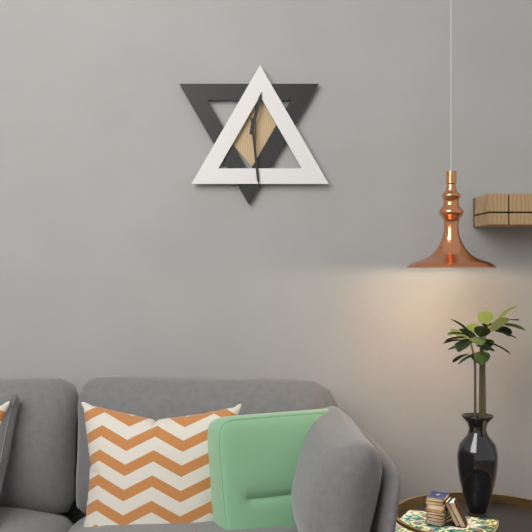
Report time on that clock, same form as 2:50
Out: 12:29
